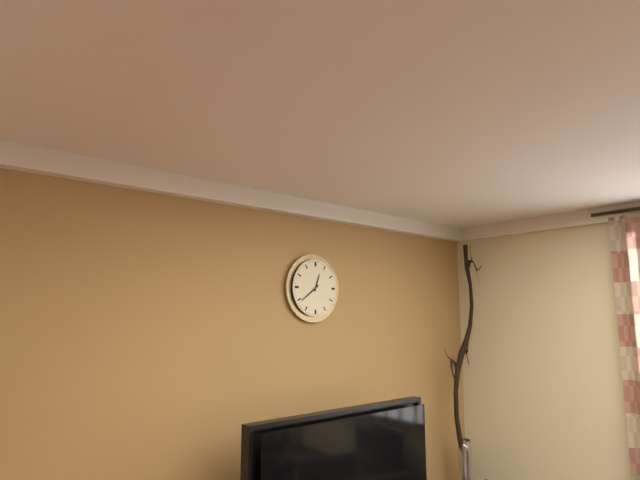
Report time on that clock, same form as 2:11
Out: 12:39
